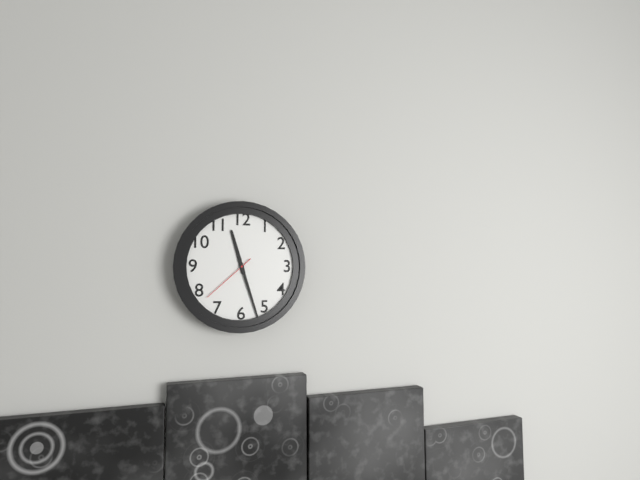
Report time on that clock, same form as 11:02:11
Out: 11:27:38
